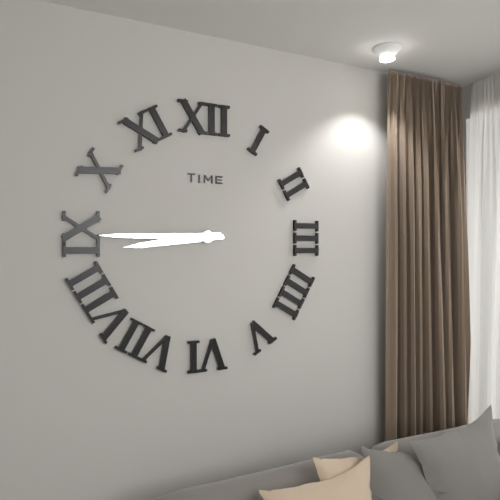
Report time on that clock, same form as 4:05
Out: 8:45
